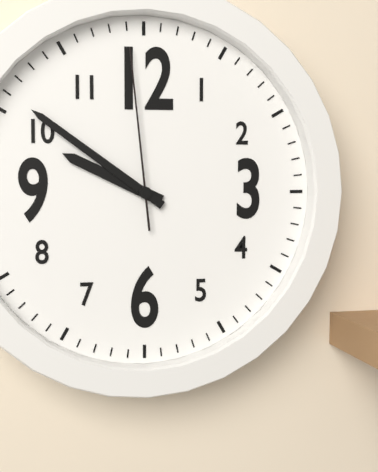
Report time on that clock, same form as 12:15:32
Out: 9:51:59
